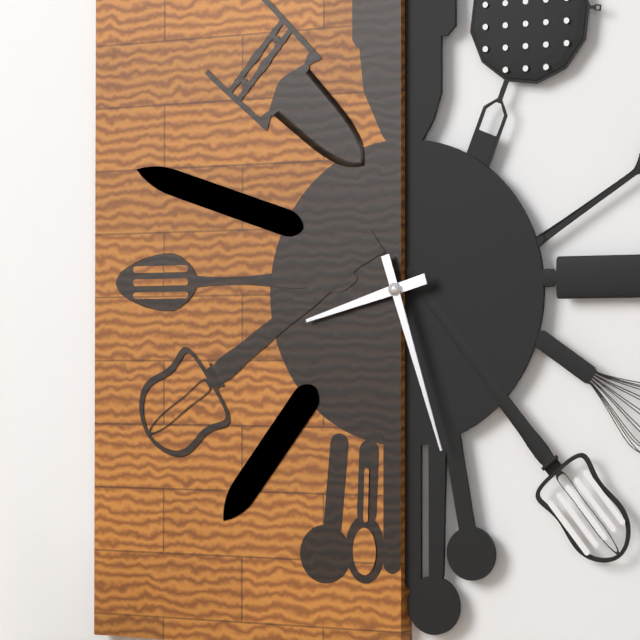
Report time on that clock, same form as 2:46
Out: 8:27
